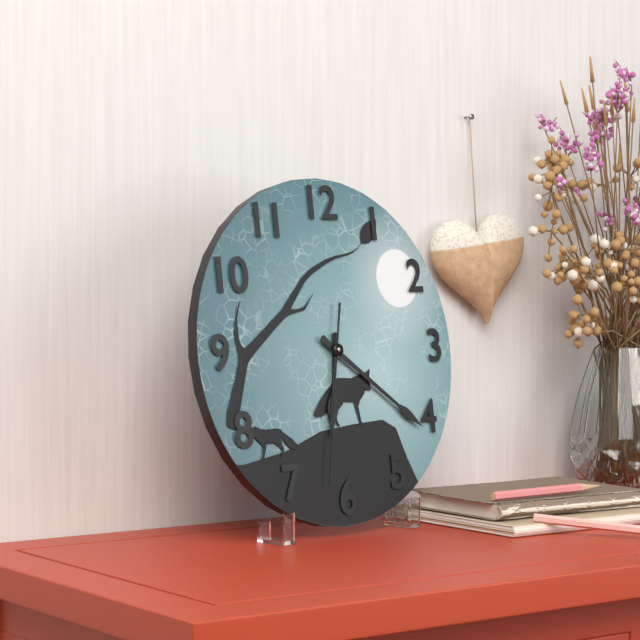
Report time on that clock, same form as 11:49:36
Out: 6:21:32
